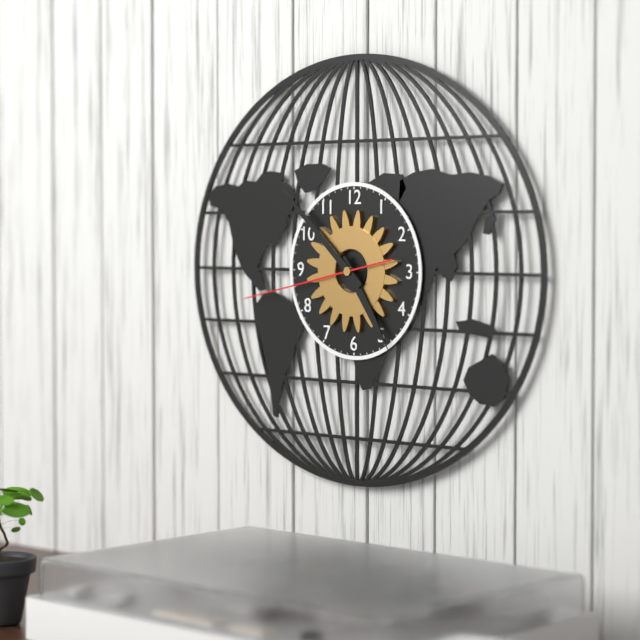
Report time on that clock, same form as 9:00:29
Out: 4:52:43
